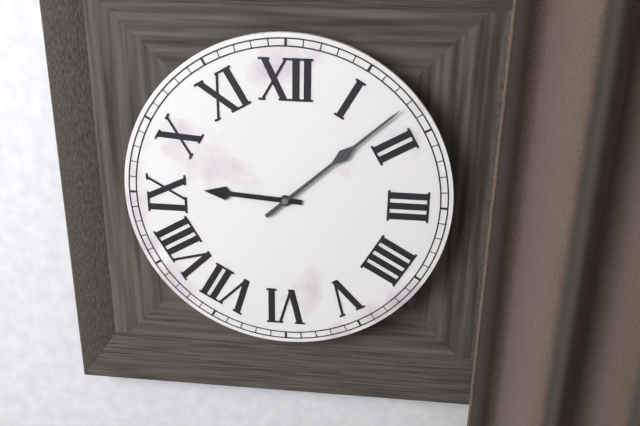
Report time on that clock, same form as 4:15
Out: 9:08
